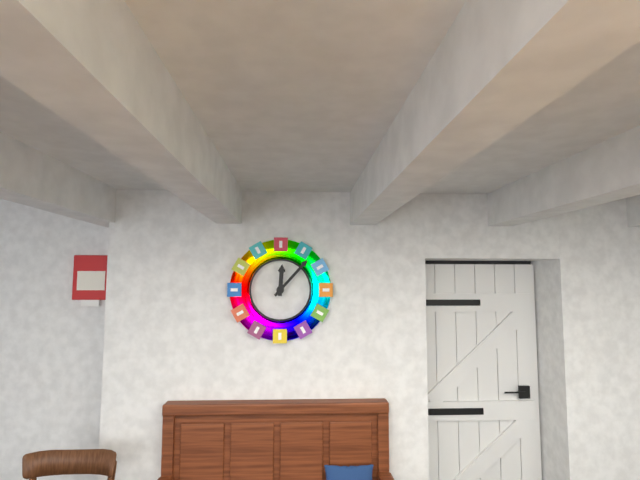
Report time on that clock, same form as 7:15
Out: 12:07
